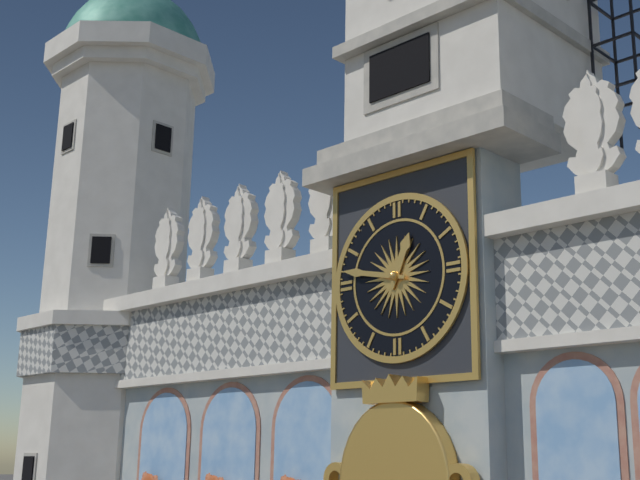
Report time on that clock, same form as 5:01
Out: 12:47
